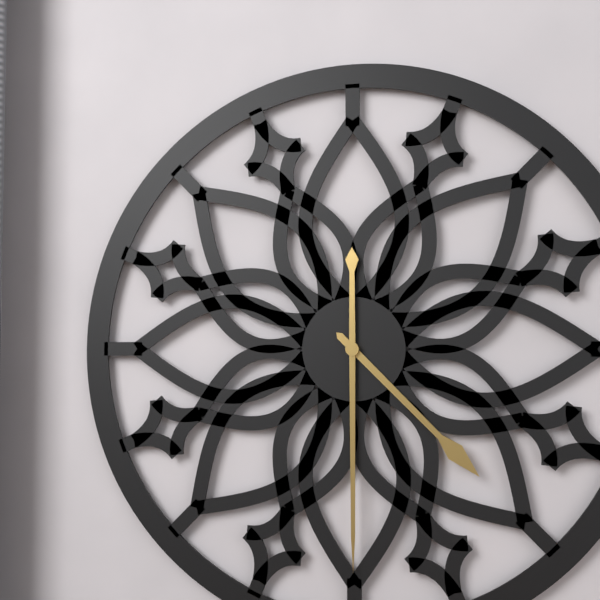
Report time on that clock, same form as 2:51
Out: 4:30
